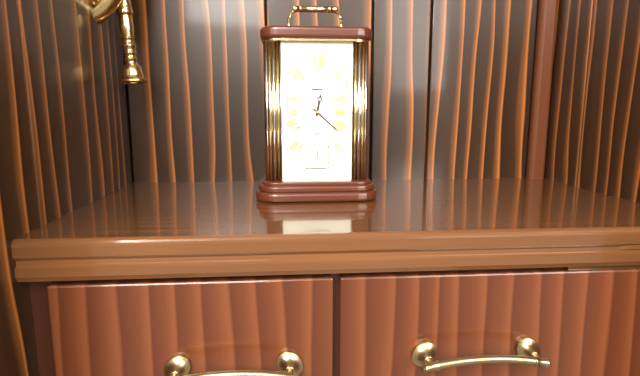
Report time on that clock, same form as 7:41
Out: 12:22
